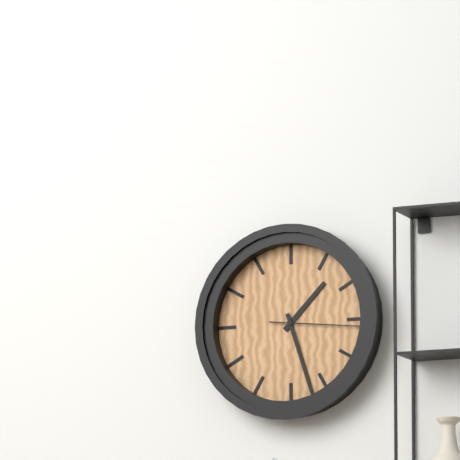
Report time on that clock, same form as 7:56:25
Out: 1:27:16
